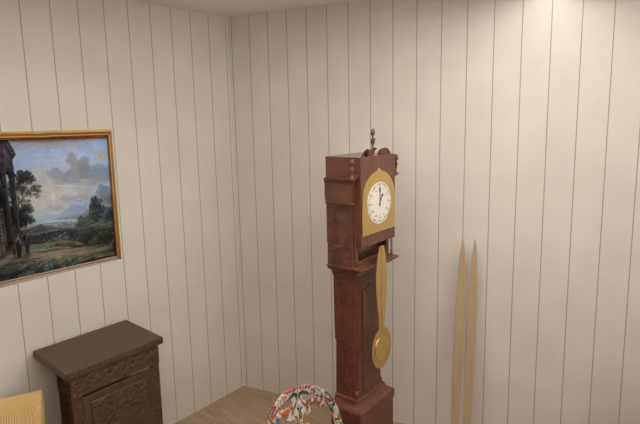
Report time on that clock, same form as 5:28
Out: 1:00
